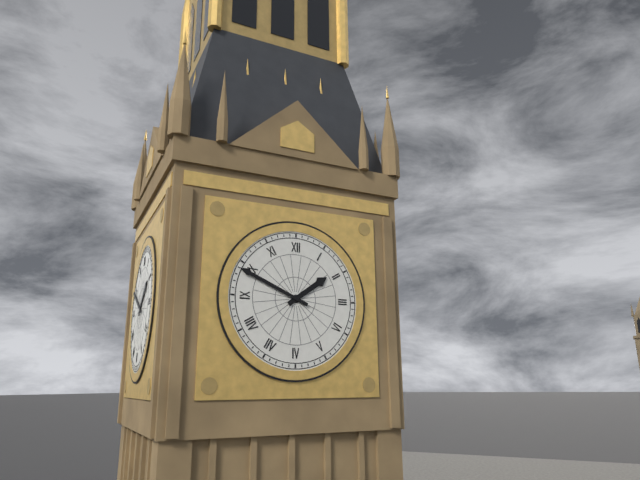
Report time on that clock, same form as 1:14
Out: 1:49
